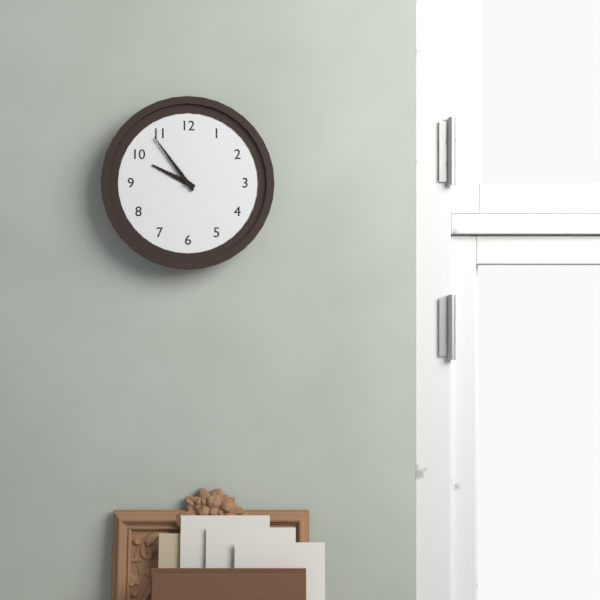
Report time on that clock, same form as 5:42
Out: 9:54
